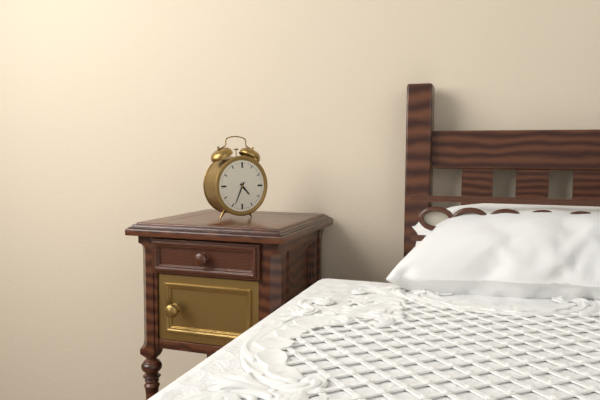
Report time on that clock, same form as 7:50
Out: 4:34
